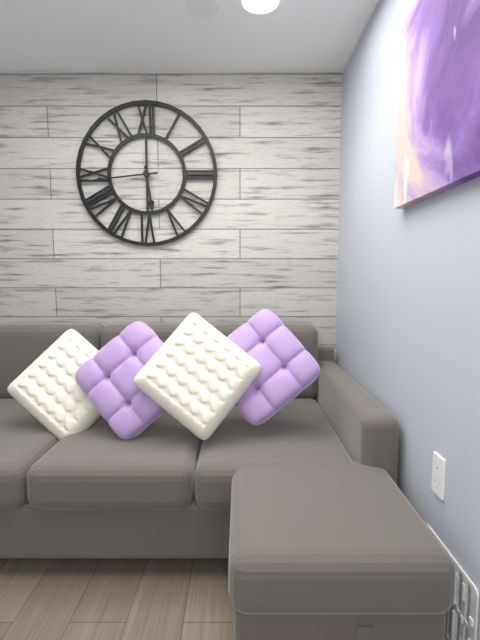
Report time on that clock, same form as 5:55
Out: 5:44
